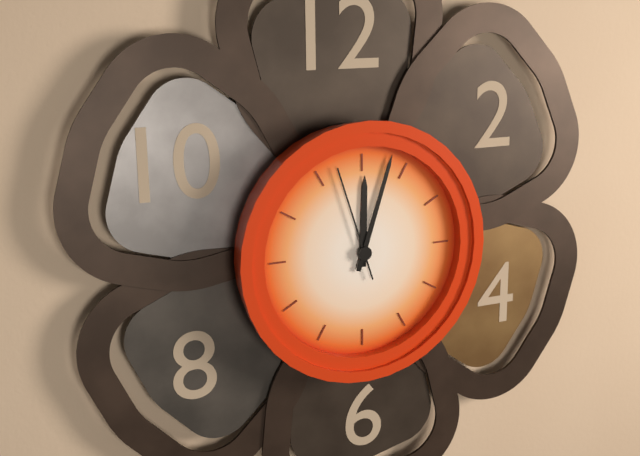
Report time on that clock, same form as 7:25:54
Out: 12:03:57
